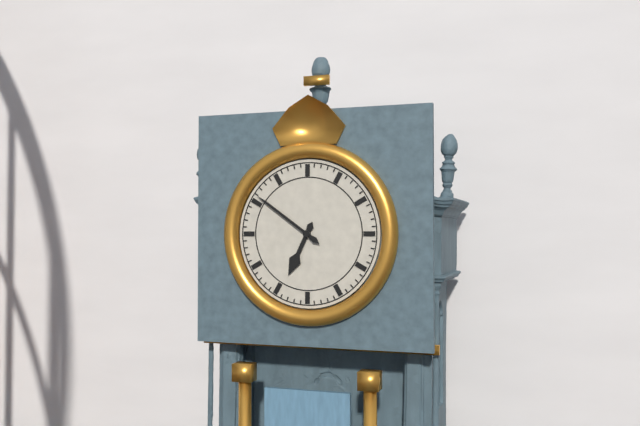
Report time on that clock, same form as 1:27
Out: 6:51
